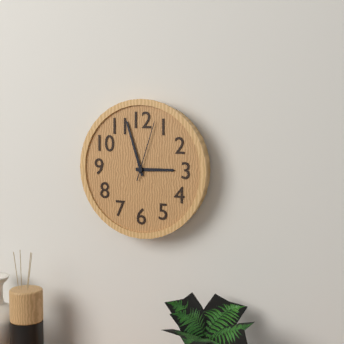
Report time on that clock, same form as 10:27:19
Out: 2:57:03
